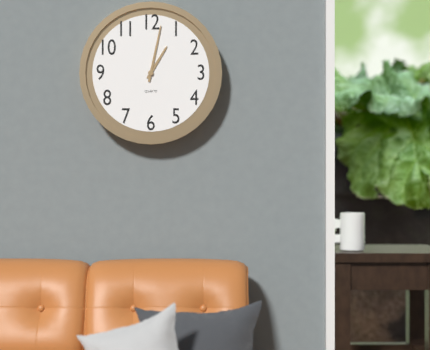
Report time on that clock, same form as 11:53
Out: 1:02
